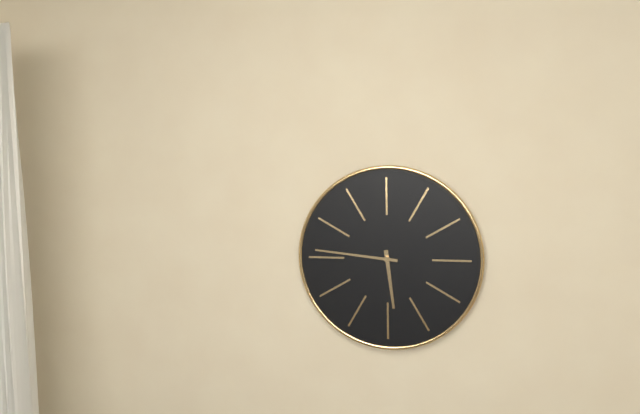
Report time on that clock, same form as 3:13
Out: 5:46
